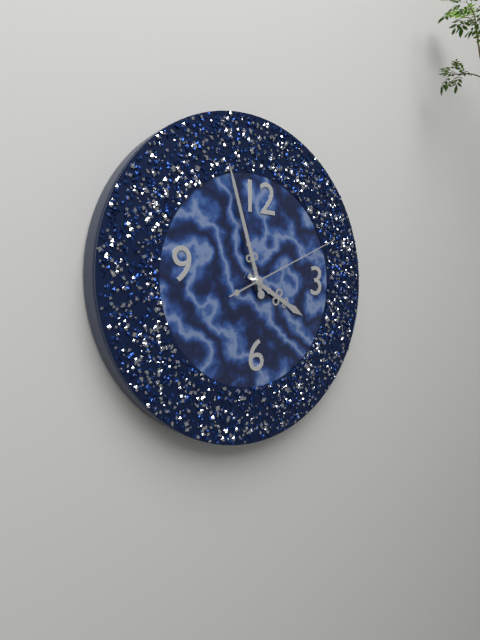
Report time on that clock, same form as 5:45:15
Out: 3:57:11
